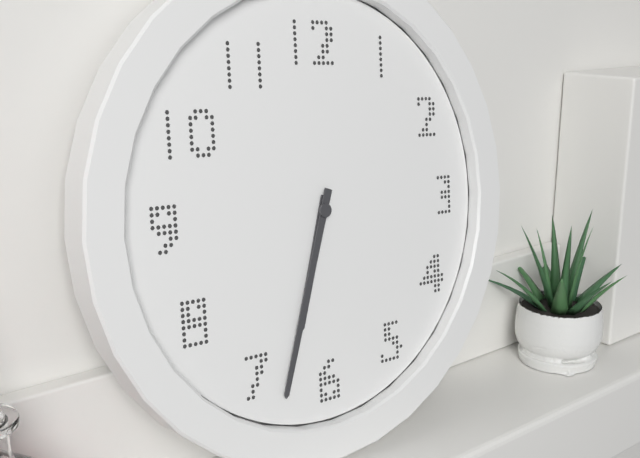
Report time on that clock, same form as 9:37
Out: 6:33
